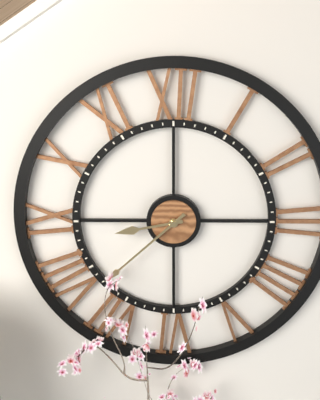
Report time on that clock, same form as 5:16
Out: 8:38
